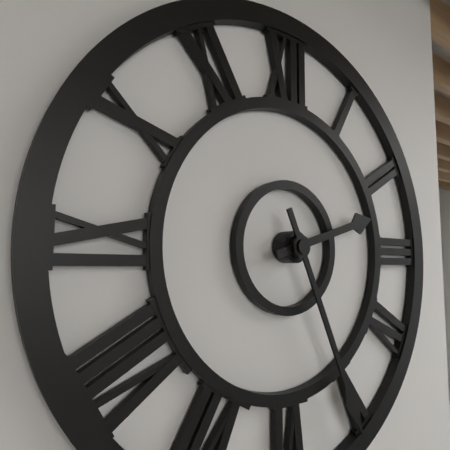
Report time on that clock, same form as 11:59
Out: 2:26
